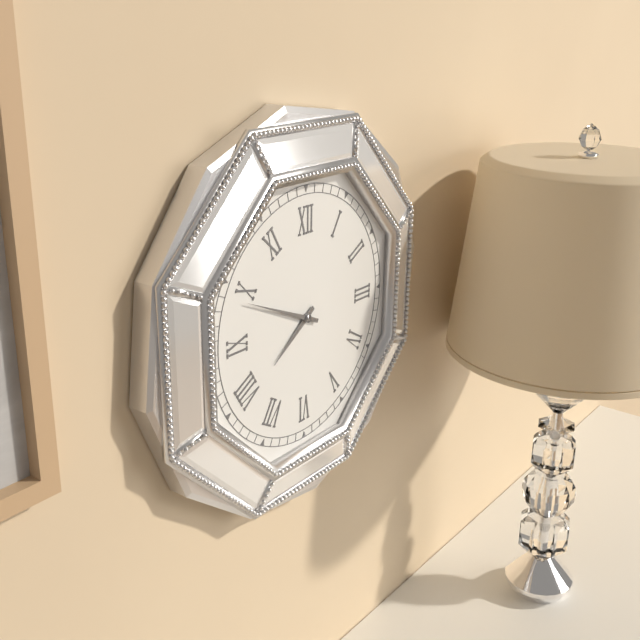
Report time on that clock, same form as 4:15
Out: 7:49
